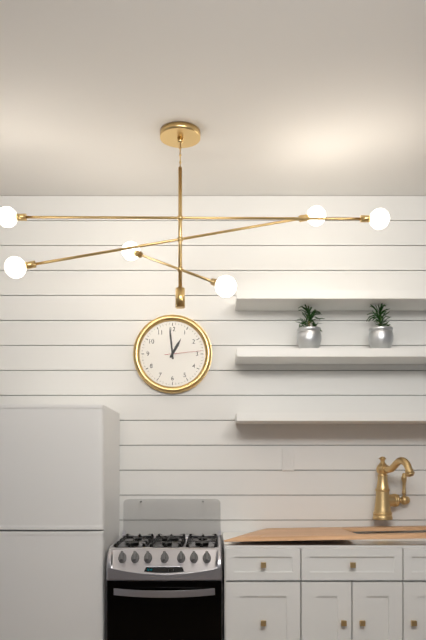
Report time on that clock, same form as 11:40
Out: 12:59
